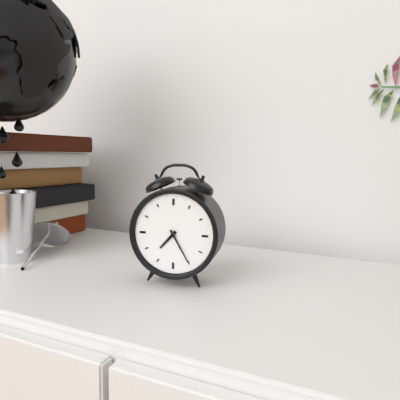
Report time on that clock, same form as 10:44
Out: 7:25
